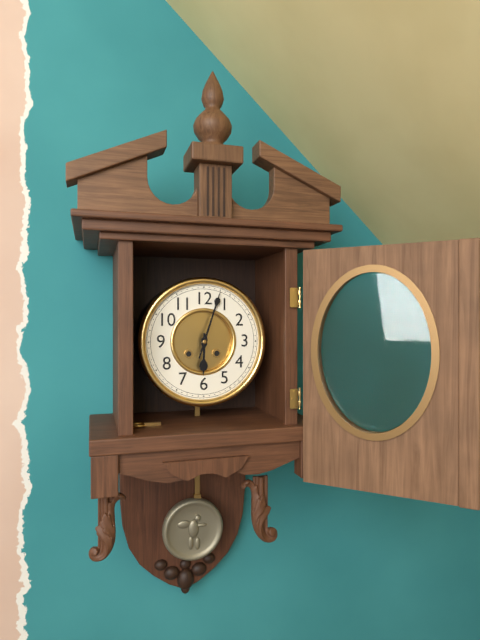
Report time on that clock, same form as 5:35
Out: 6:03
